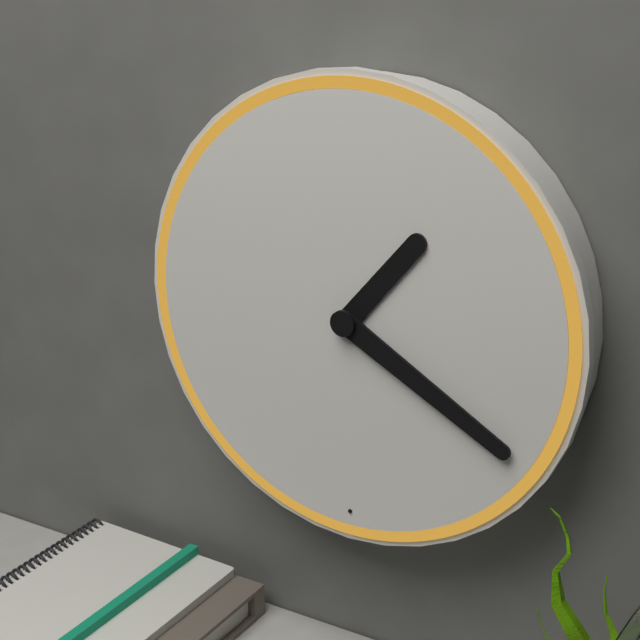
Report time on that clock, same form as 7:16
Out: 1:20
